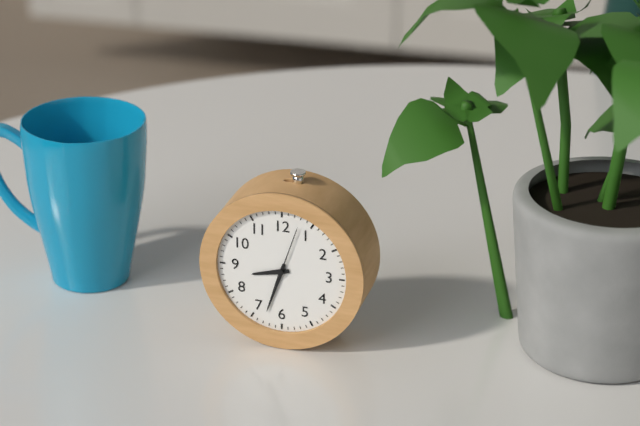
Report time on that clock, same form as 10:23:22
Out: 8:33:03
